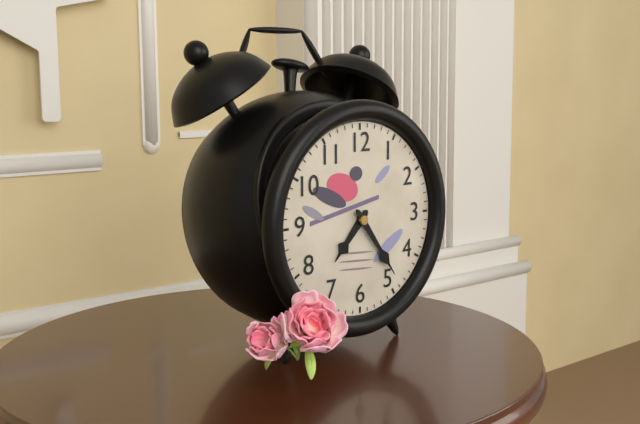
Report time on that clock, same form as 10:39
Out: 7:24
